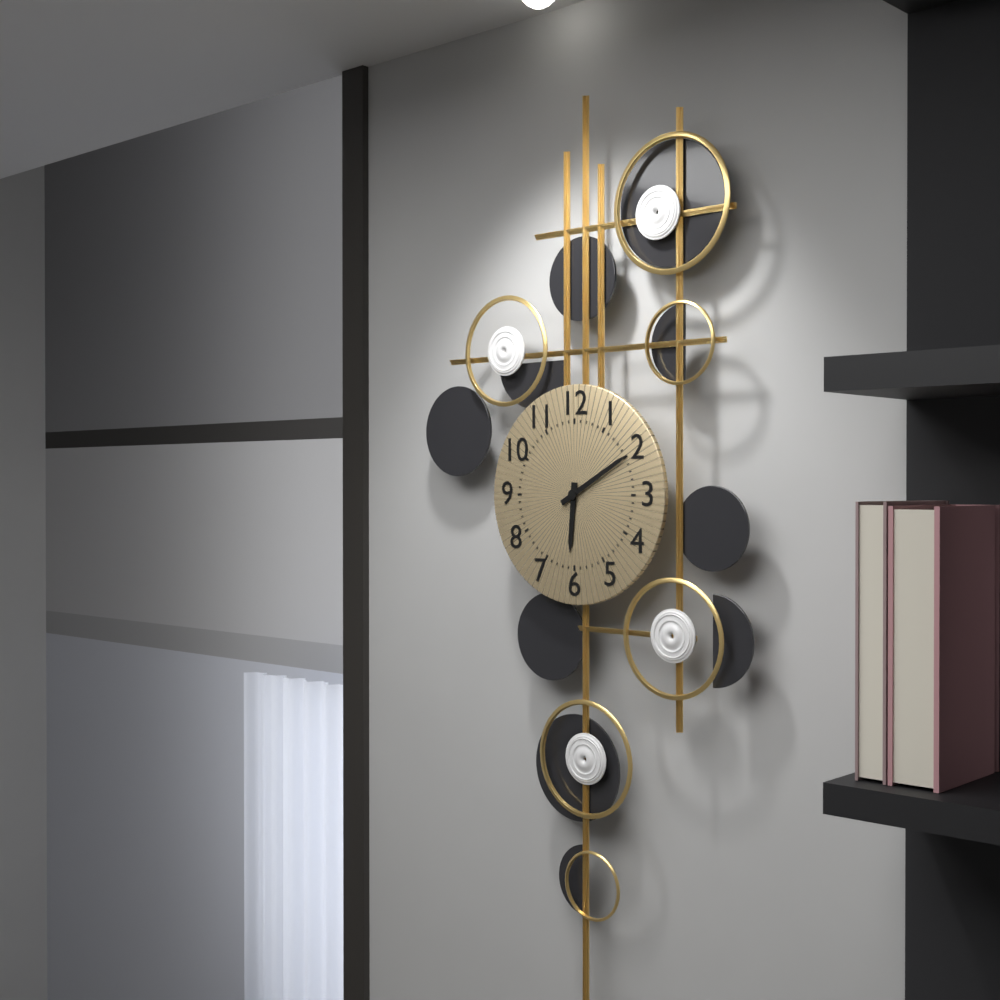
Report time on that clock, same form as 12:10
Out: 6:10
